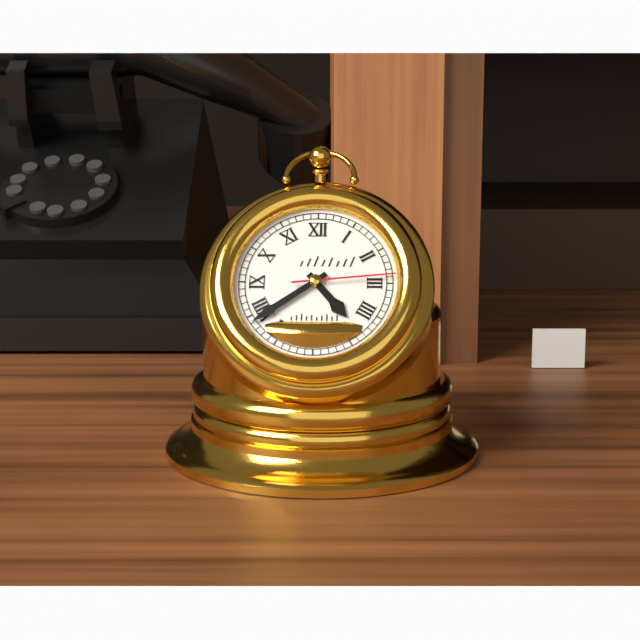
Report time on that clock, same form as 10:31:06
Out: 4:39:14
